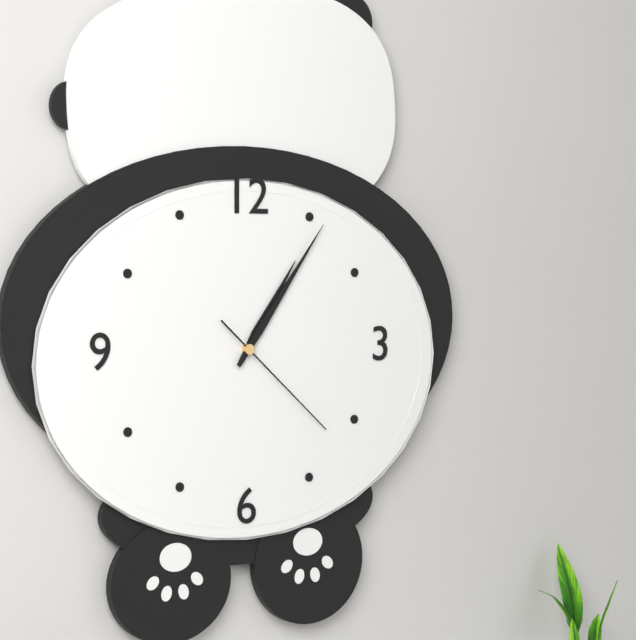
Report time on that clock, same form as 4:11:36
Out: 1:06:22
